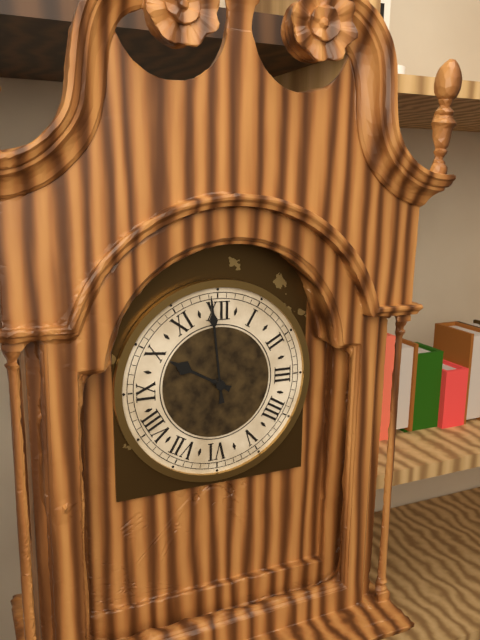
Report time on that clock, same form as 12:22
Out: 9:59
